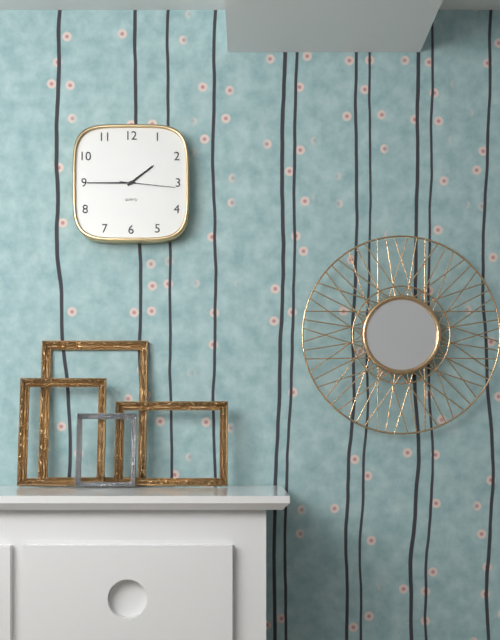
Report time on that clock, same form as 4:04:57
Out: 1:45:16
